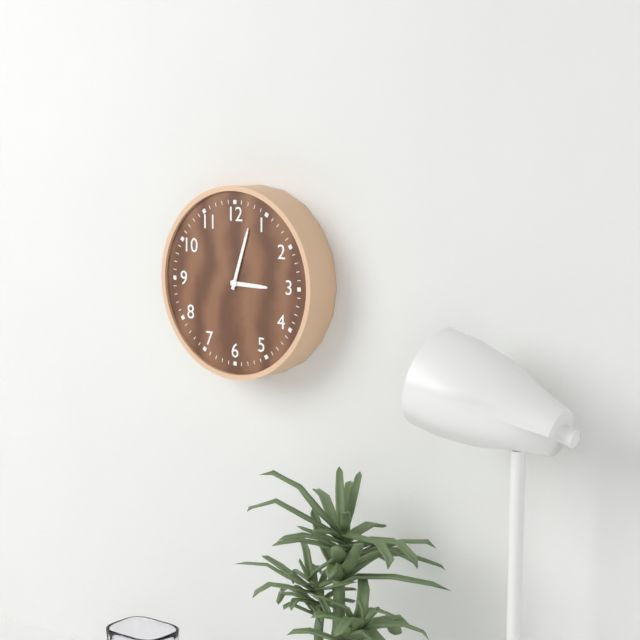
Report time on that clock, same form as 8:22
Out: 3:03
